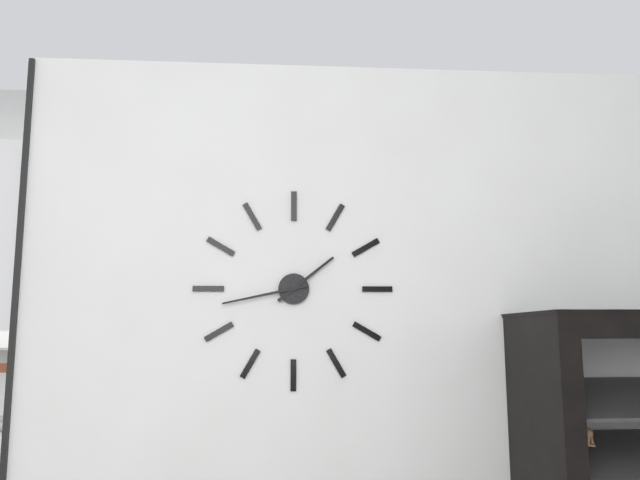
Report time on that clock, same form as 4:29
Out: 1:43
